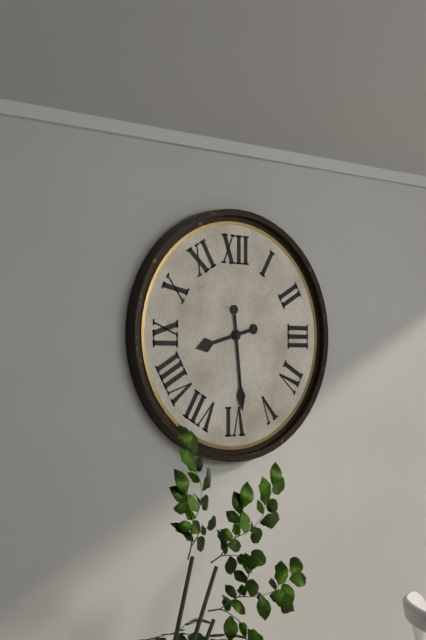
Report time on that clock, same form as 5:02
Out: 8:29
